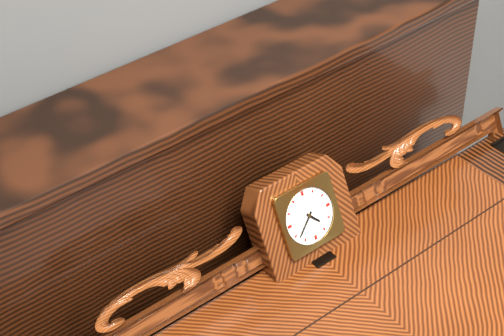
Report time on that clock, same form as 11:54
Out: 4:38
